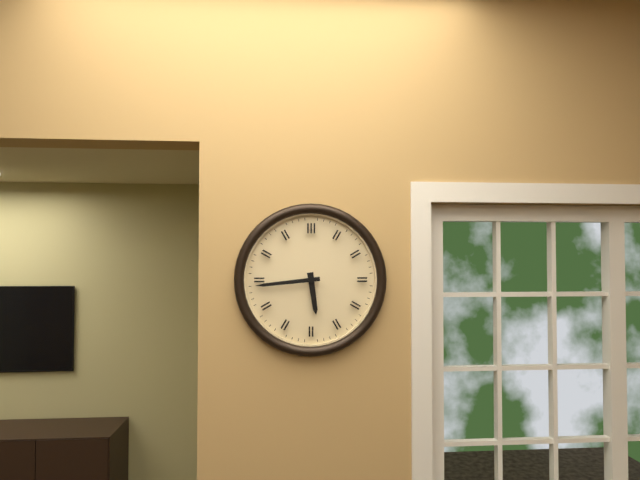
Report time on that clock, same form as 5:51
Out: 5:44
